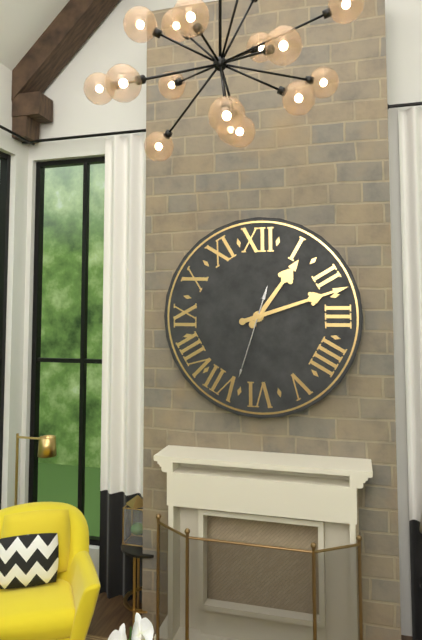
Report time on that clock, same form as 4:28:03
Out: 1:12:33
